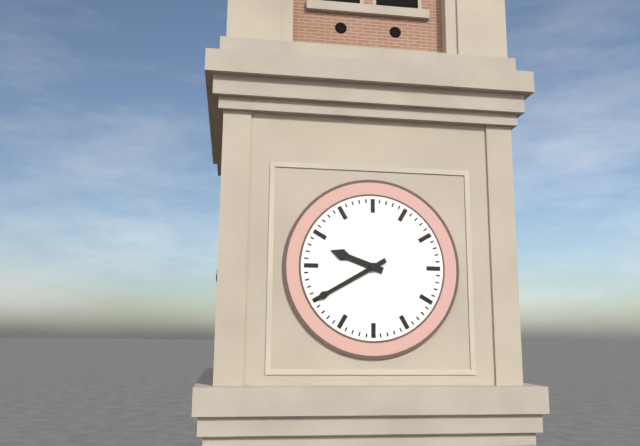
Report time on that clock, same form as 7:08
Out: 9:40
